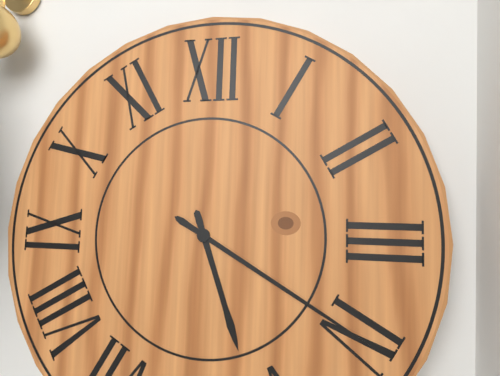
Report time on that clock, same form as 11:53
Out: 5:20
